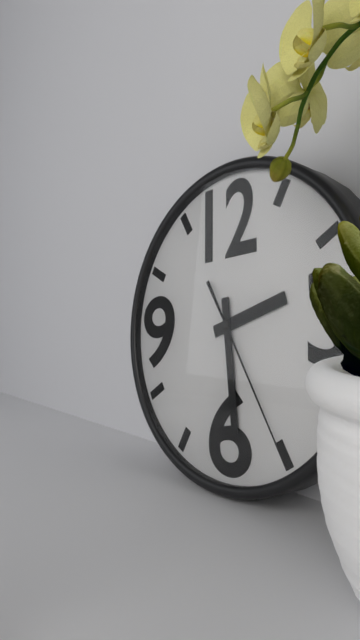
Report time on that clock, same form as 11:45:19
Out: 2:29:25
